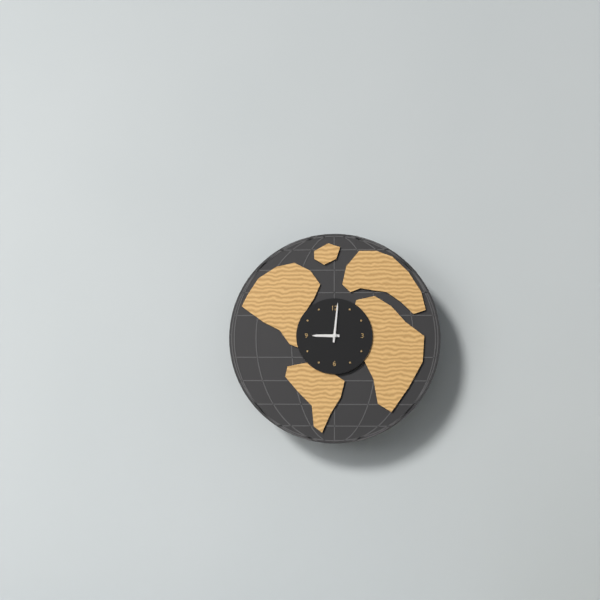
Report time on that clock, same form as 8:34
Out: 9:01
